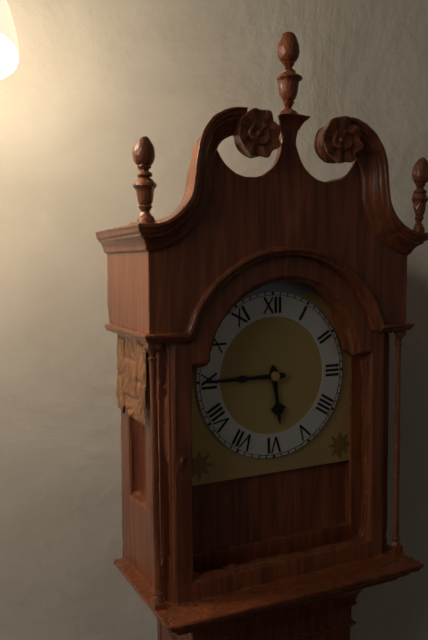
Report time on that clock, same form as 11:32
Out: 5:45
